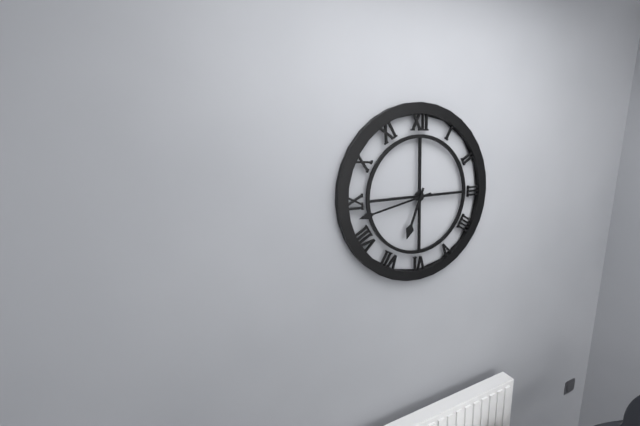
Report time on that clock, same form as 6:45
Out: 6:43
